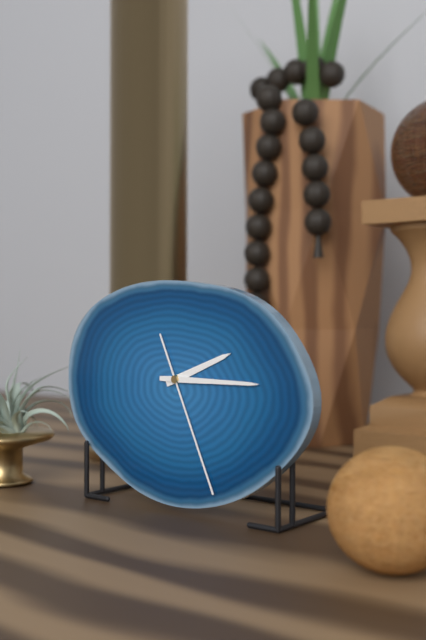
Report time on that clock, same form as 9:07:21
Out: 2:15:26
